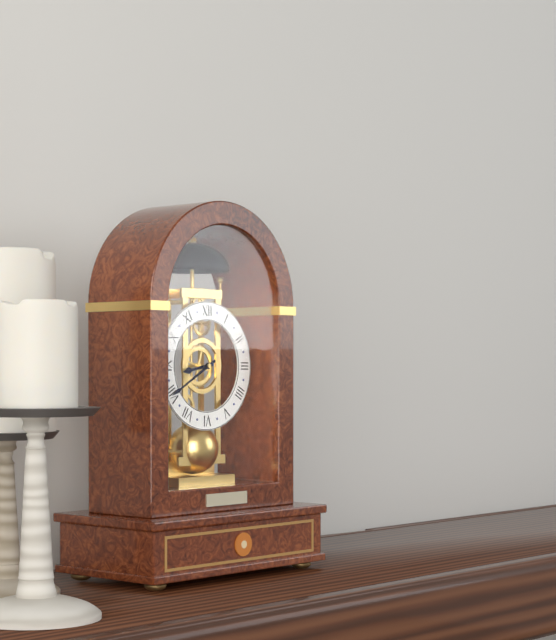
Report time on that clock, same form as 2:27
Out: 8:40
